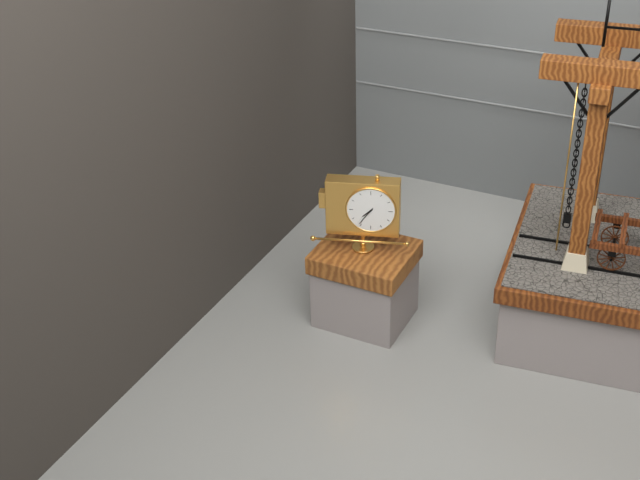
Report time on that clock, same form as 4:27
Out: 7:36
